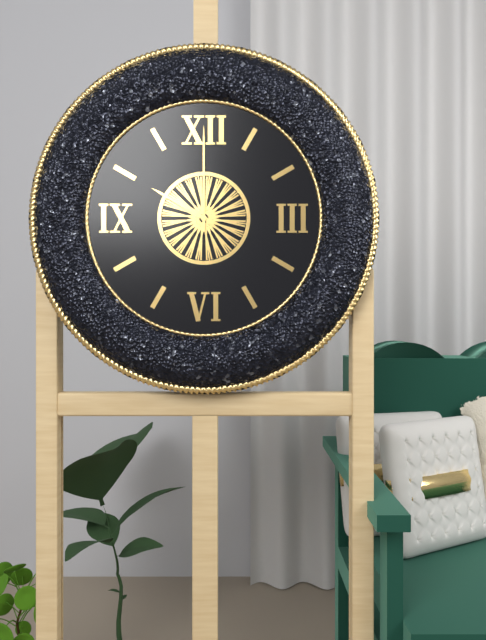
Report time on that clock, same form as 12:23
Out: 10:00
